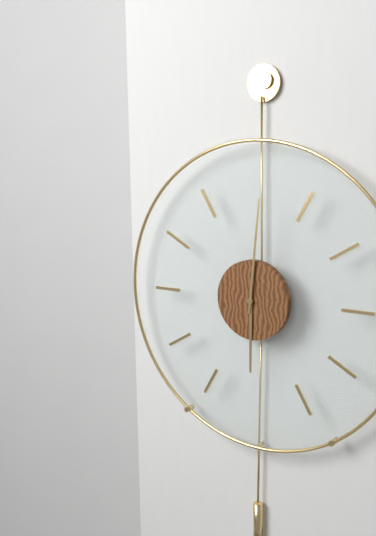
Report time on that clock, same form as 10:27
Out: 6:01
